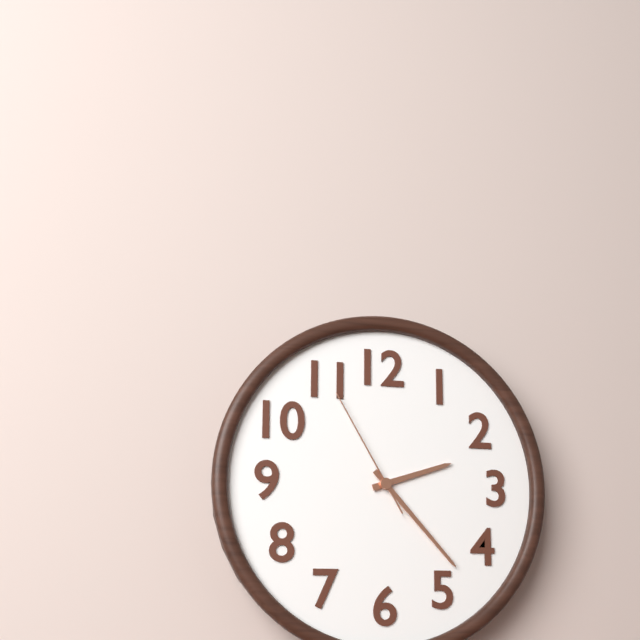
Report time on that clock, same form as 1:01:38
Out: 2:23:55
